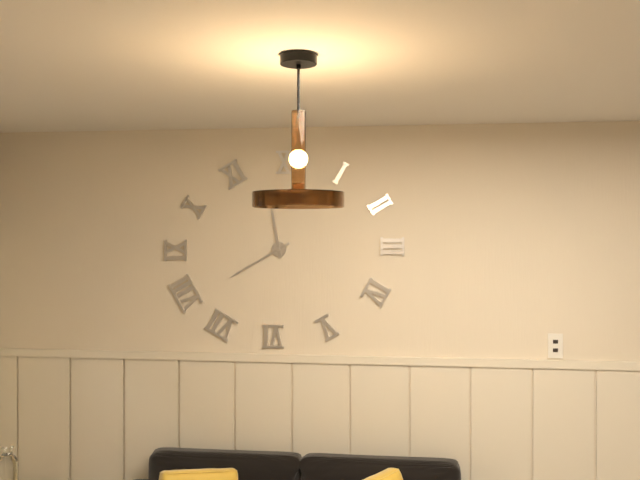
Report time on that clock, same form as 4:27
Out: 11:40
